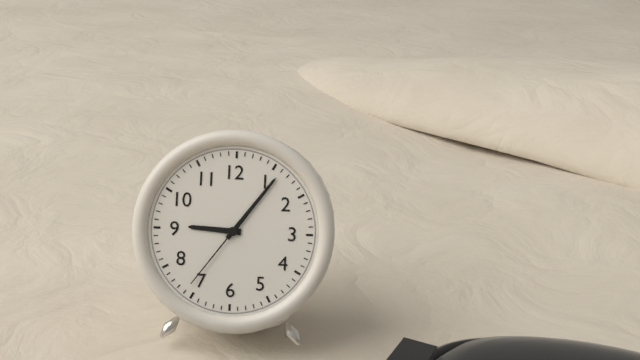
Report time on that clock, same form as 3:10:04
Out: 9:06:36
